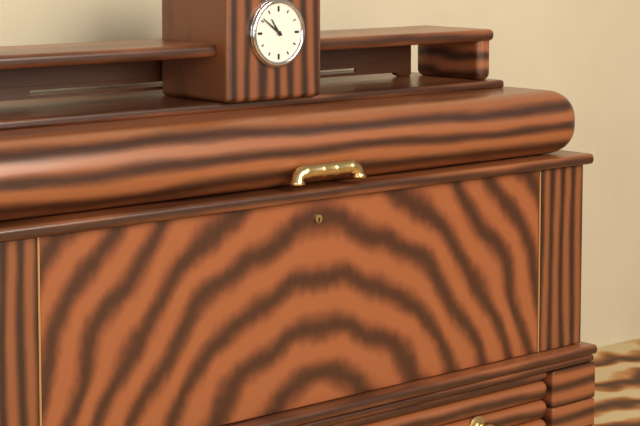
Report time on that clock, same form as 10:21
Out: 10:51
